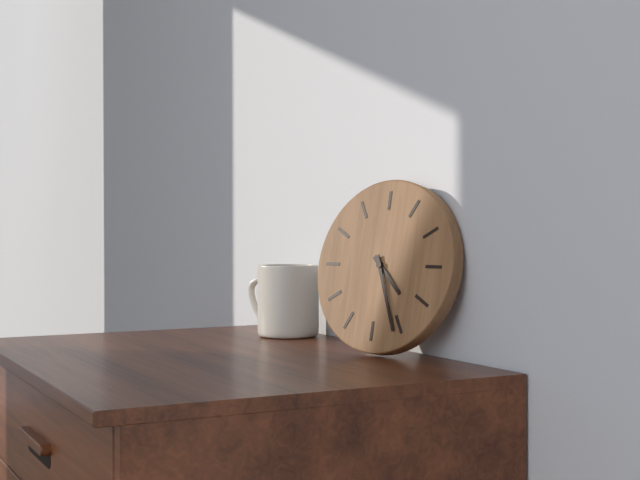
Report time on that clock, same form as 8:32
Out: 4:26
